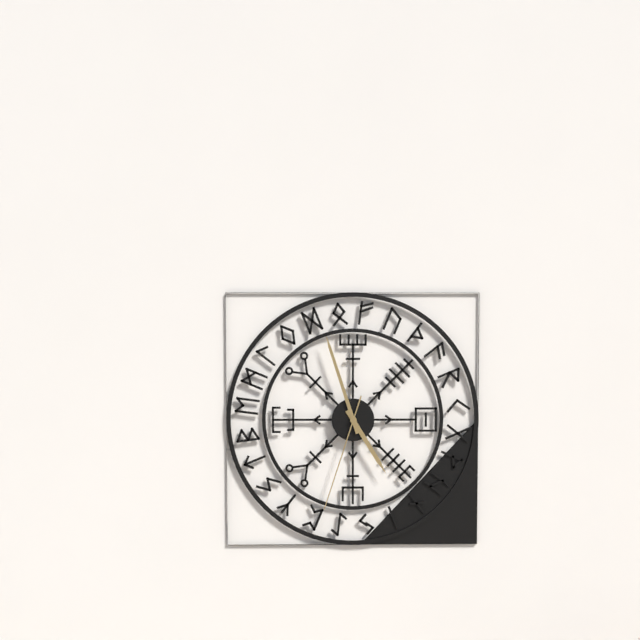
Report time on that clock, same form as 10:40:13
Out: 4:57:33
